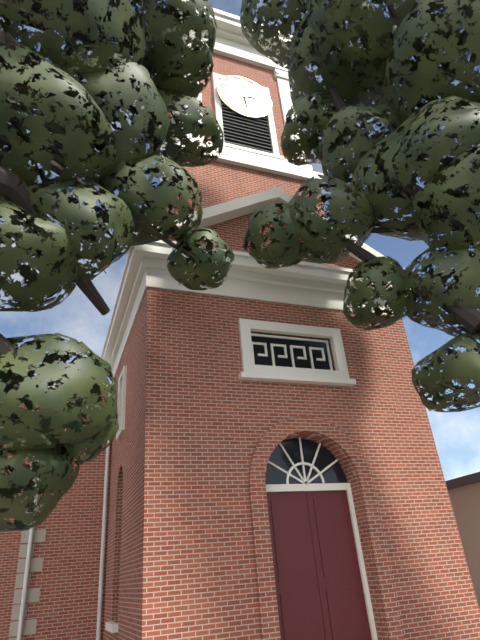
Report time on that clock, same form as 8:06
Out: 2:29
